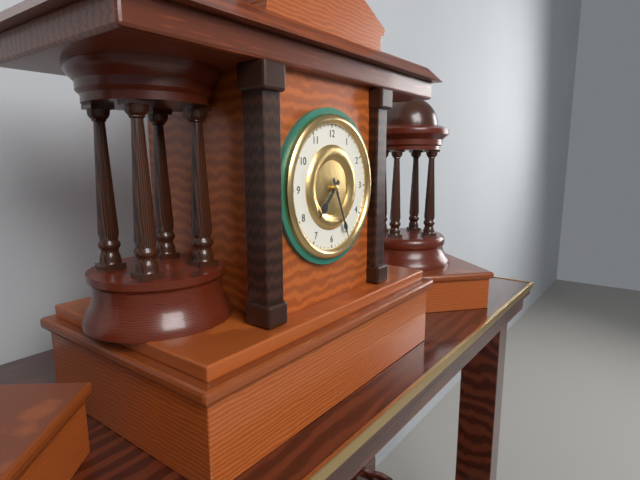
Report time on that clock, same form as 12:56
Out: 7:26
